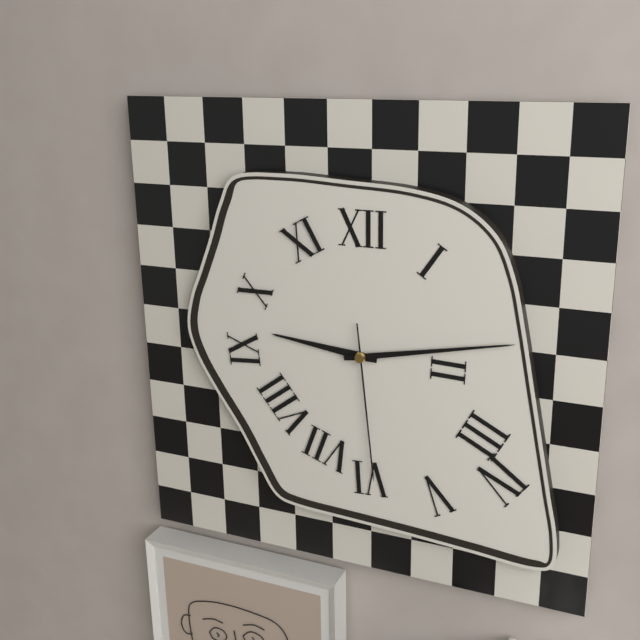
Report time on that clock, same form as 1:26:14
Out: 9:13:29
